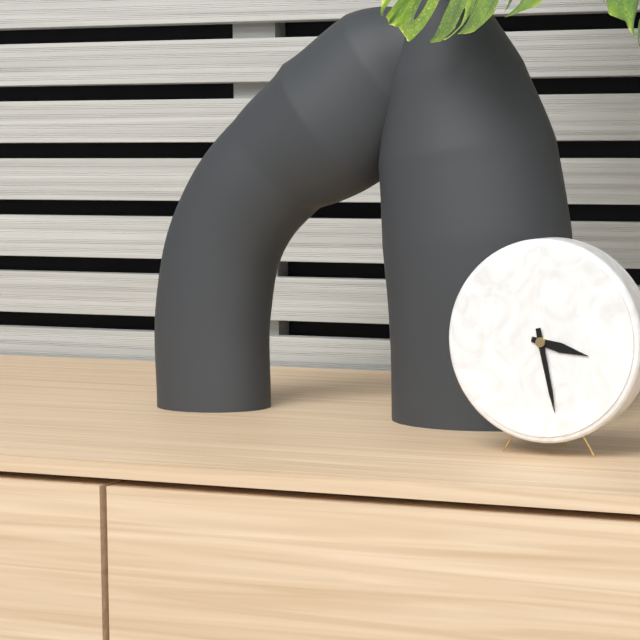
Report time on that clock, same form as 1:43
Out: 3:28
